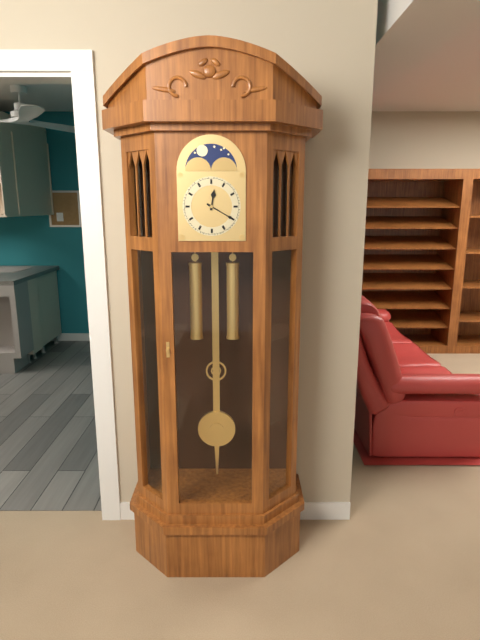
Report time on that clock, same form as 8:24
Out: 12:20
